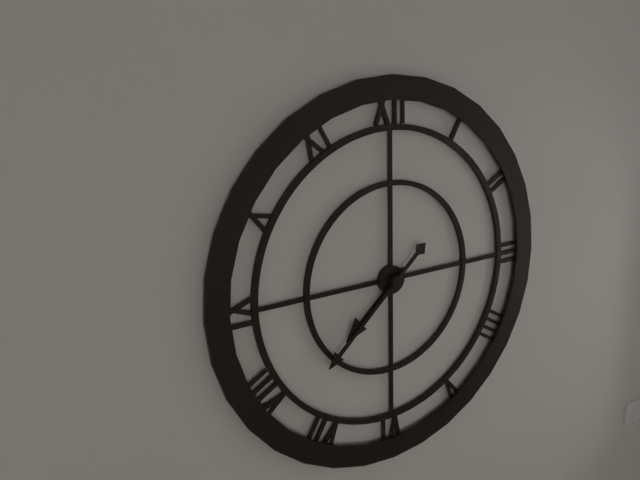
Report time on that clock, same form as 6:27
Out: 7:38
